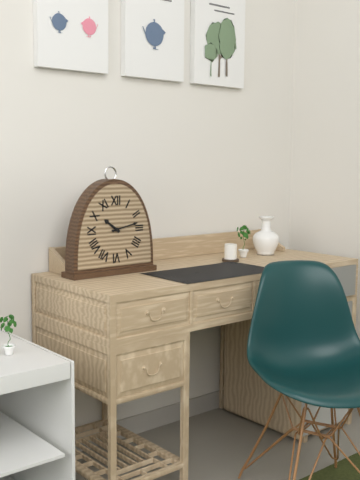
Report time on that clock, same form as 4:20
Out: 10:13
